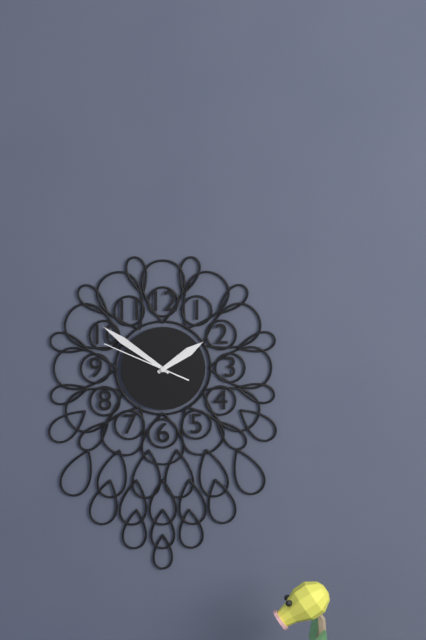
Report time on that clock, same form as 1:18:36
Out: 1:51:49
